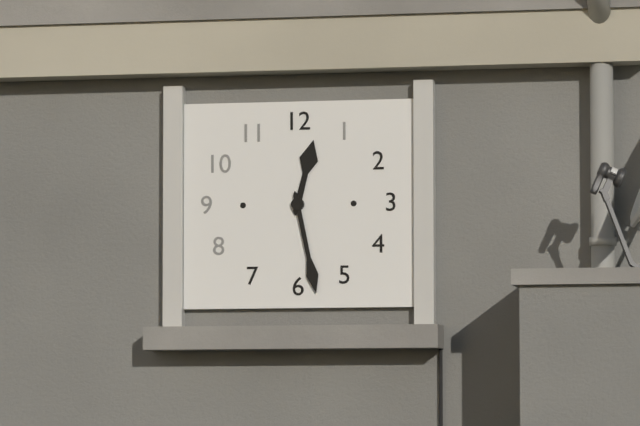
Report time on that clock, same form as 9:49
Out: 12:28
